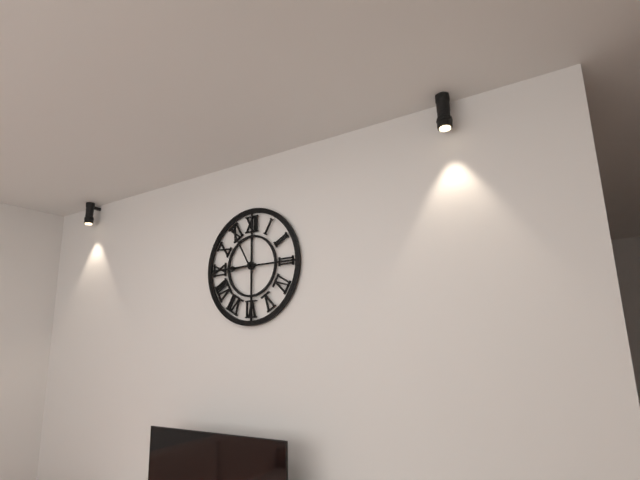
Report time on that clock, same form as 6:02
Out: 8:55
